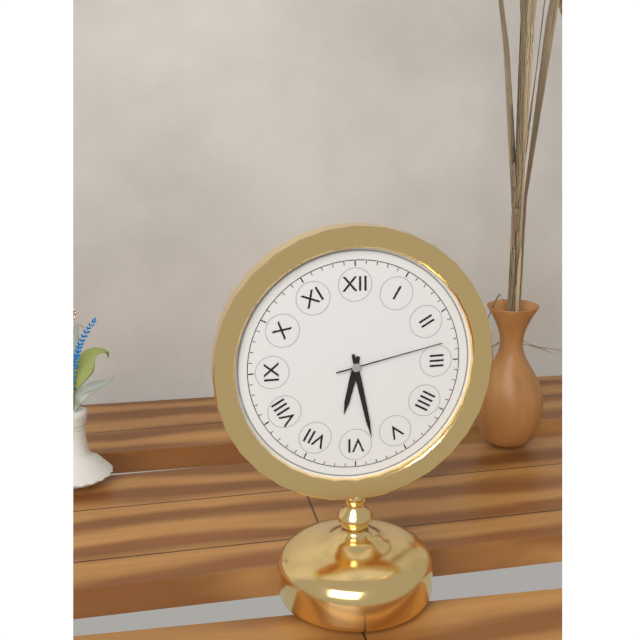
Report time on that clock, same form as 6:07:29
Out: 6:28:13
